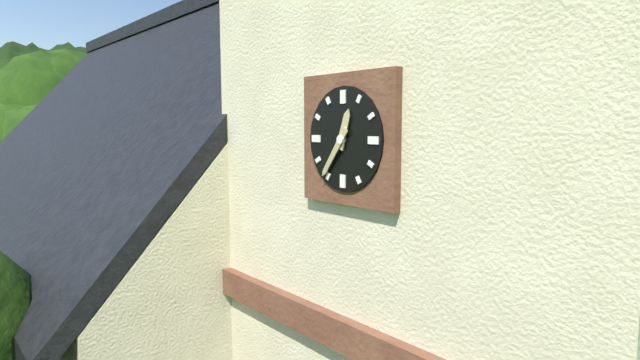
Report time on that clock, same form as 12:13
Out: 12:36
